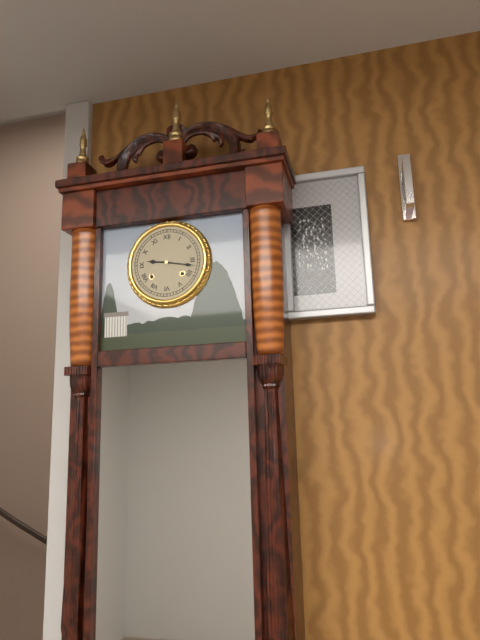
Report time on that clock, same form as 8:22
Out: 9:17
